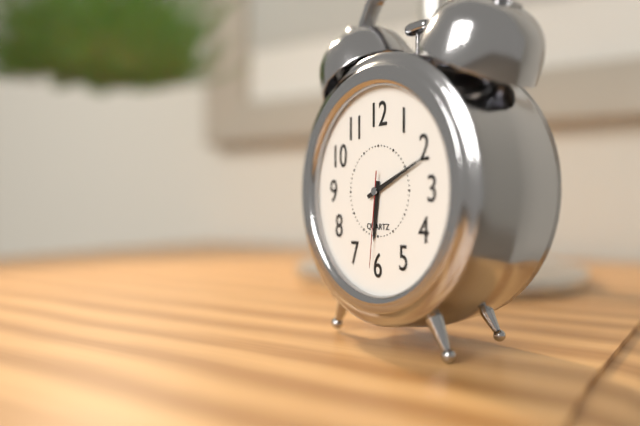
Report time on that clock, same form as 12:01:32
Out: 6:11:31
